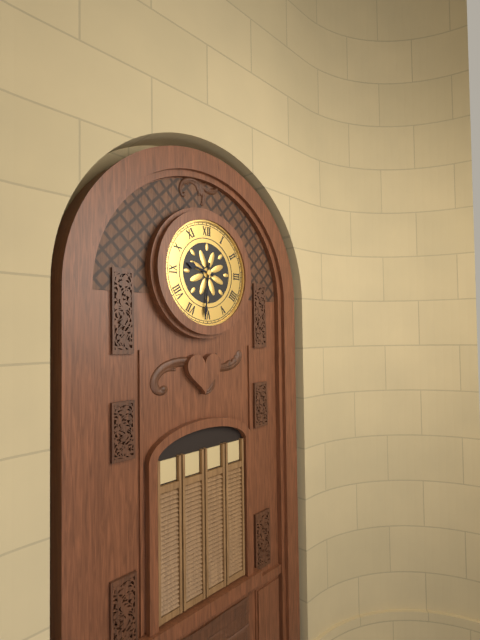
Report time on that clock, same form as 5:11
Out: 9:31
